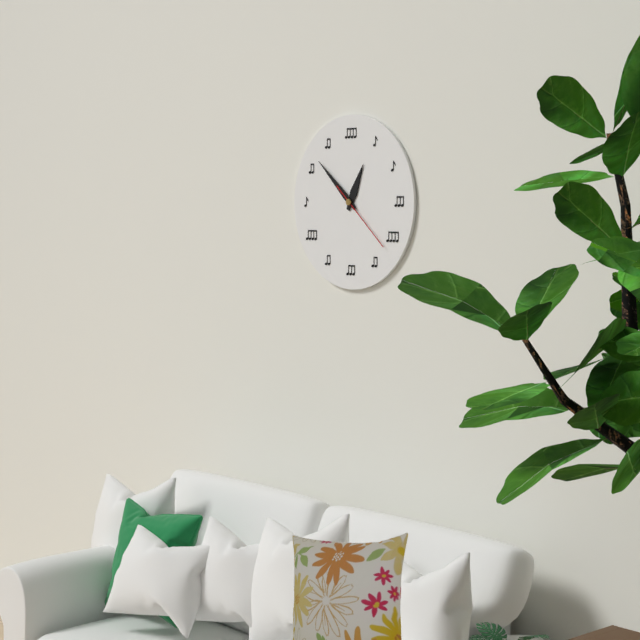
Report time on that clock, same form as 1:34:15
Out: 12:52:22
